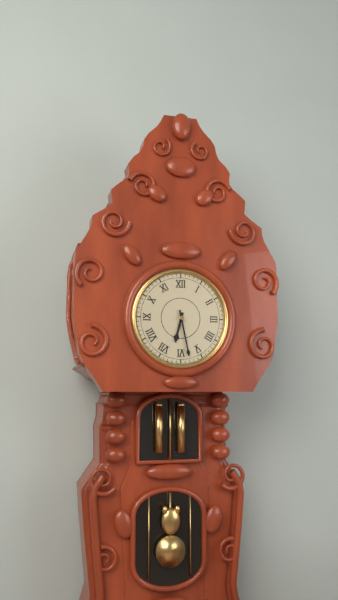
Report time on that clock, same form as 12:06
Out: 6:28
